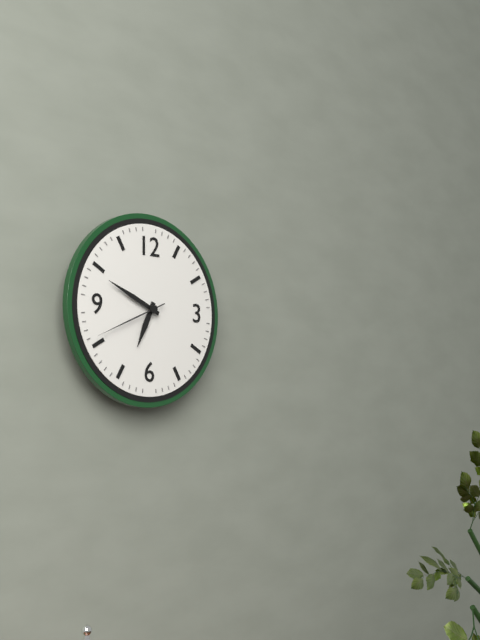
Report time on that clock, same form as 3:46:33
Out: 6:49:41
